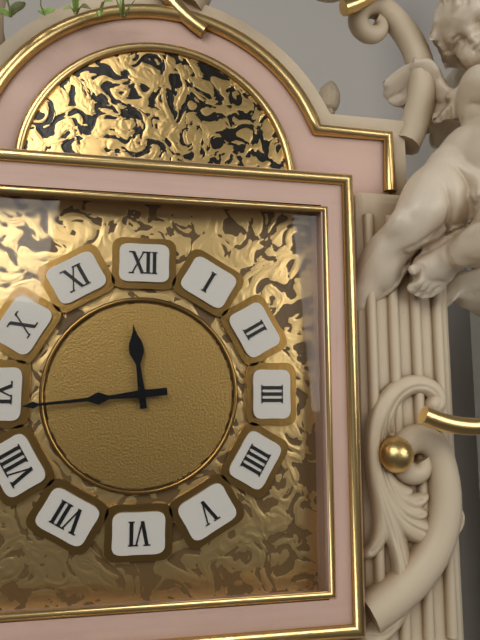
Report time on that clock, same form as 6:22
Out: 11:44
